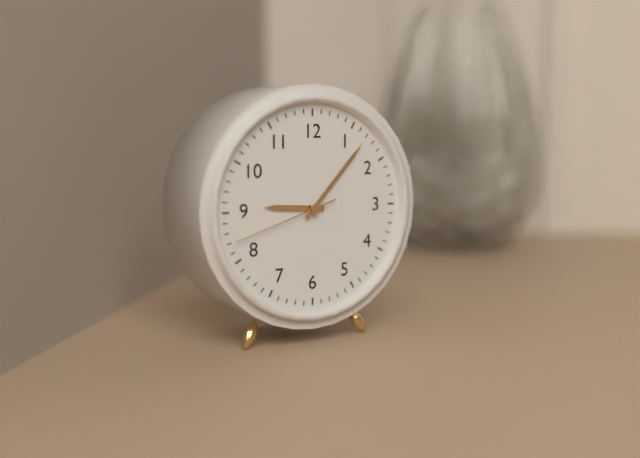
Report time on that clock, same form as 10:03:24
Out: 9:07:42
